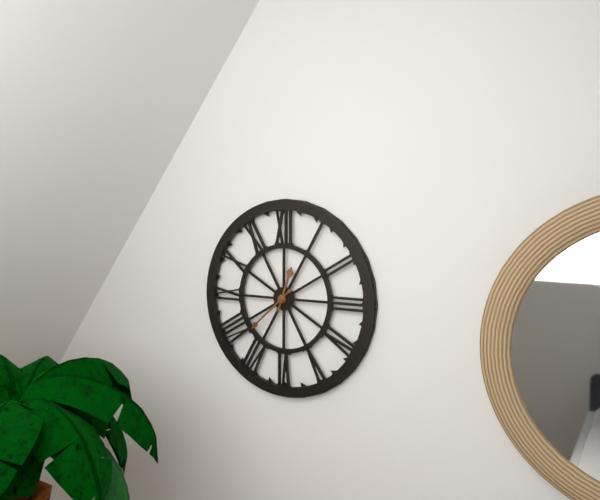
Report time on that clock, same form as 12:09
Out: 12:38
